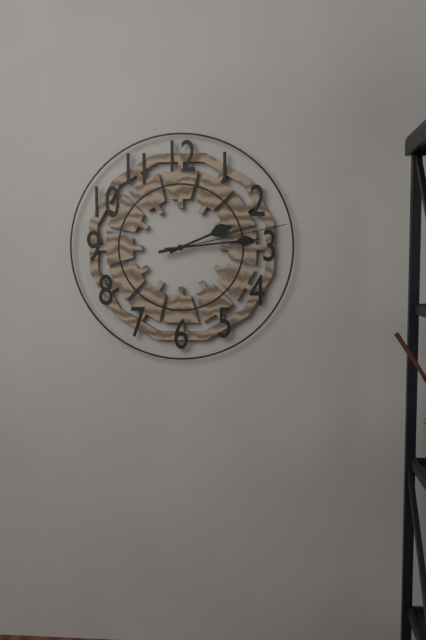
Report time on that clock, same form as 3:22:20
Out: 2:14:13
